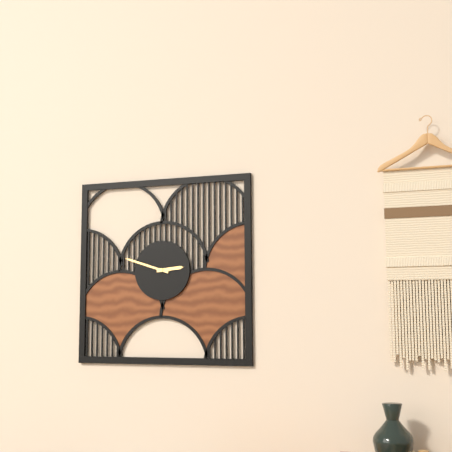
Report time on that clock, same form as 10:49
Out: 2:48
